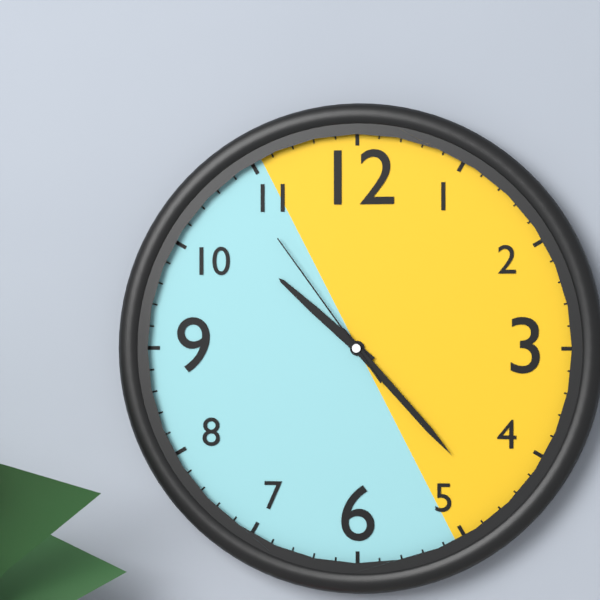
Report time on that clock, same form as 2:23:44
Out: 10:23:54
